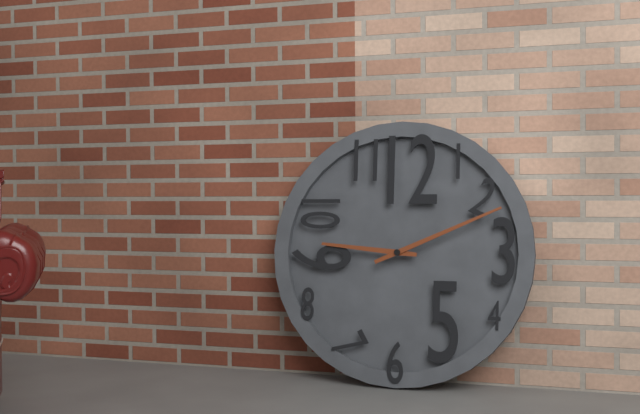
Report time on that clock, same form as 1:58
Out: 9:11
